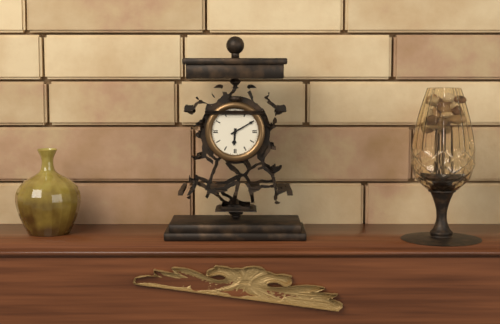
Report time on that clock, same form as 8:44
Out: 6:10
